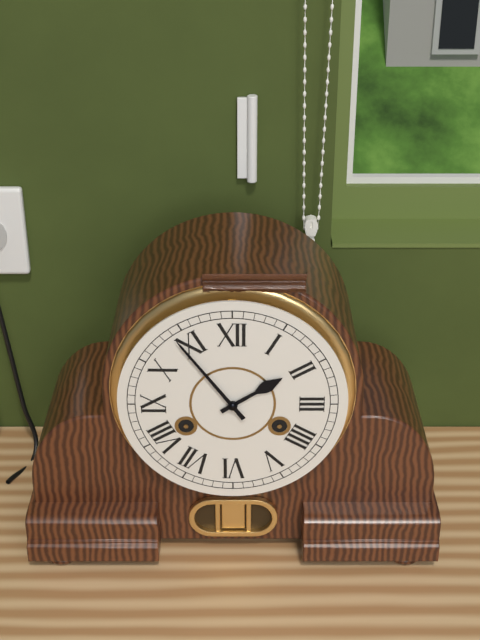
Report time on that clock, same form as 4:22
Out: 1:54
